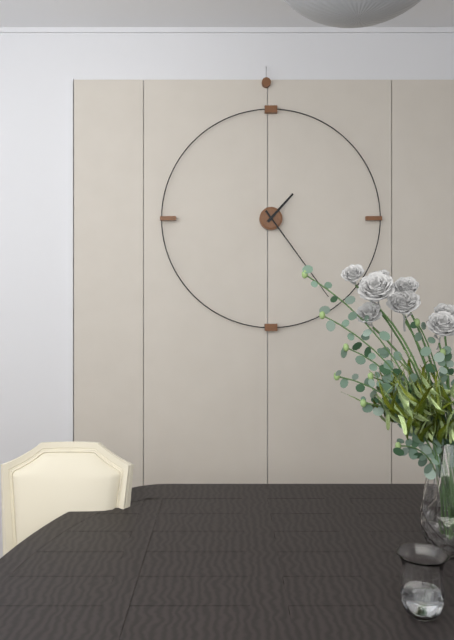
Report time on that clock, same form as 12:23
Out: 1:24
